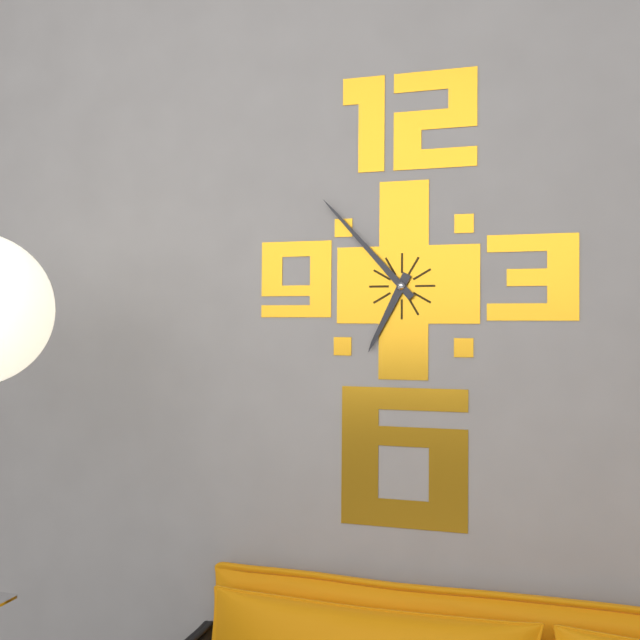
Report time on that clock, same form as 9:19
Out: 6:53
